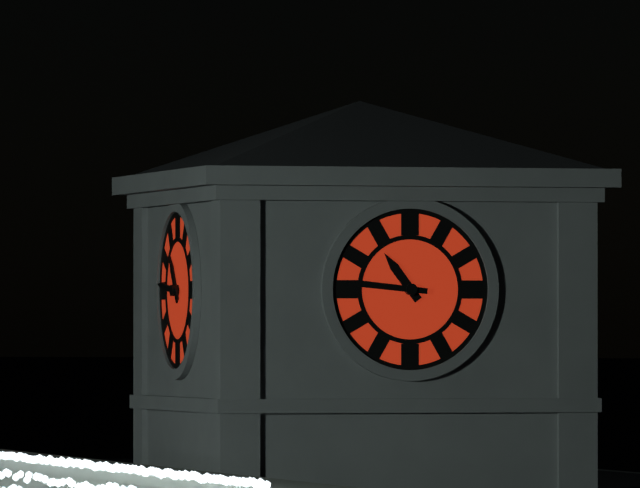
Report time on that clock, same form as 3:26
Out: 10:46
